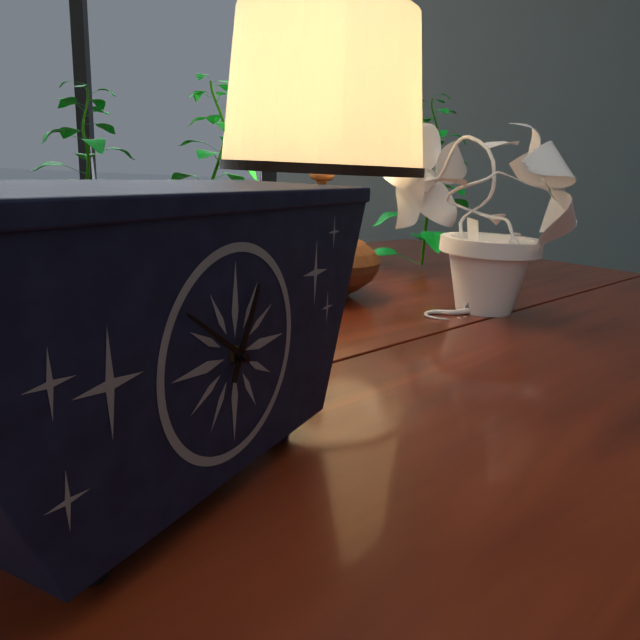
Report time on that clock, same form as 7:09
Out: 12:51
